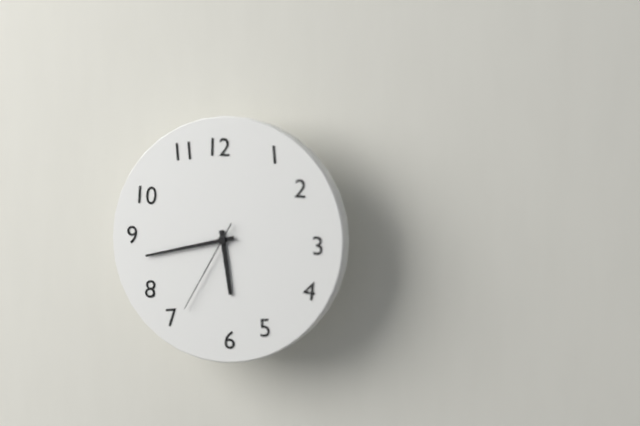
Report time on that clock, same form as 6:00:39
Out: 5:43:35
